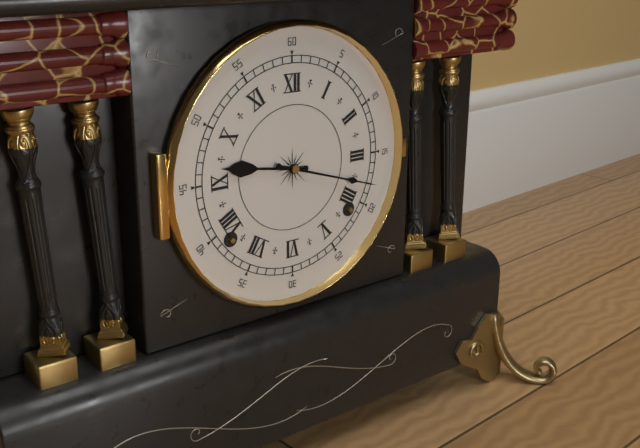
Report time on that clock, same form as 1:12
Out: 9:18
